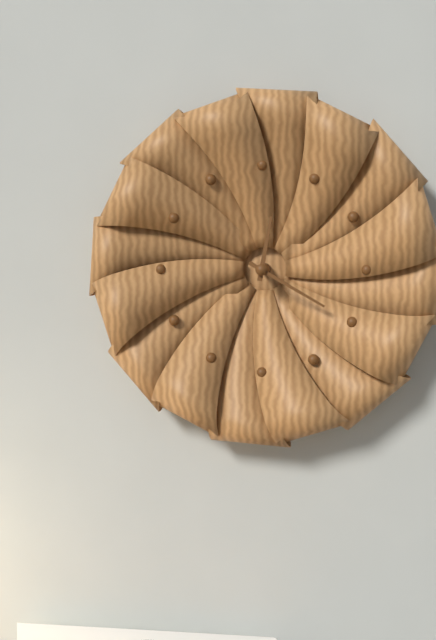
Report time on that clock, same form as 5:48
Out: 12:20
